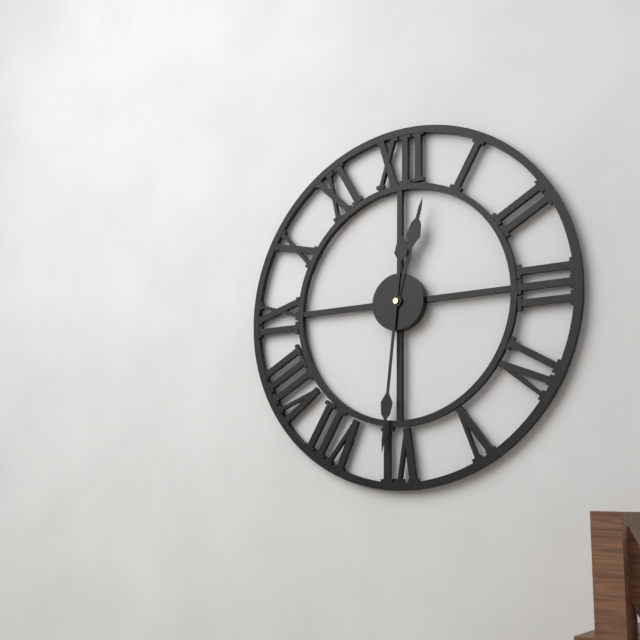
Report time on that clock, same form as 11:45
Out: 12:31
